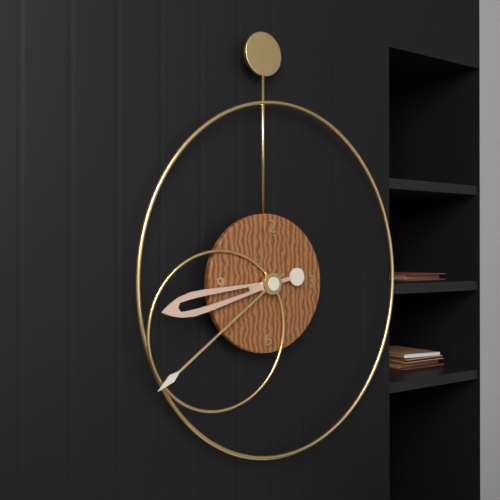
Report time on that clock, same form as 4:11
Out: 8:39
